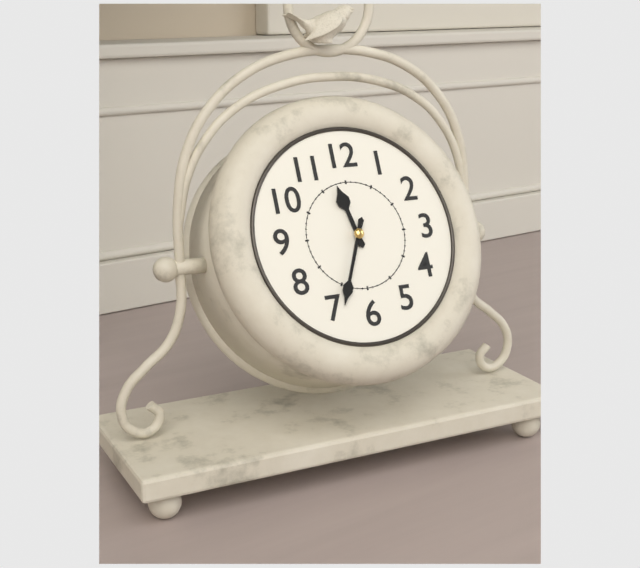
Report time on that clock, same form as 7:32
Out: 11:34
